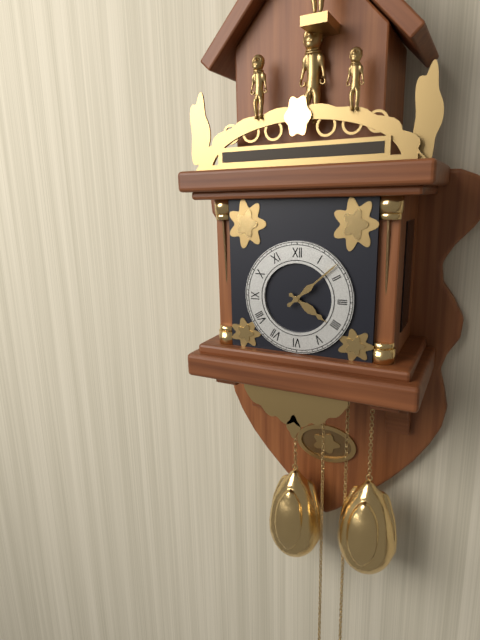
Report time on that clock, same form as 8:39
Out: 4:08
